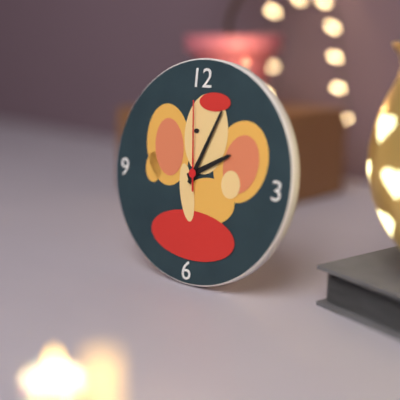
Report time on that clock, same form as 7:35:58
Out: 2:04:59
